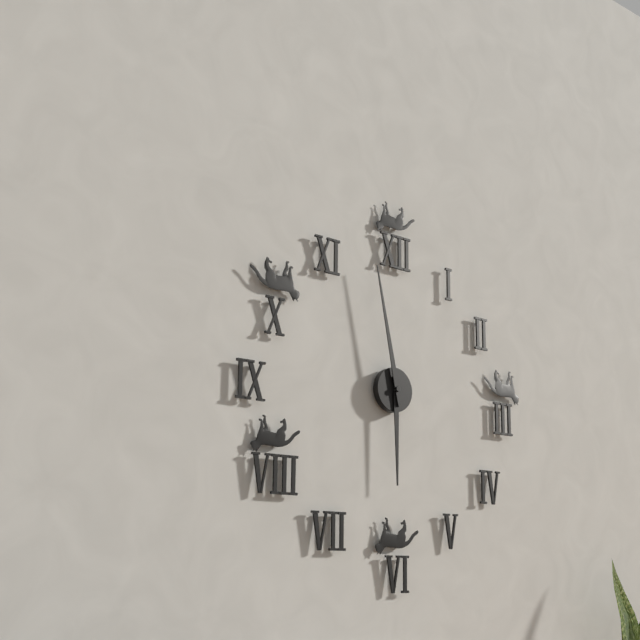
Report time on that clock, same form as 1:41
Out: 5:58
